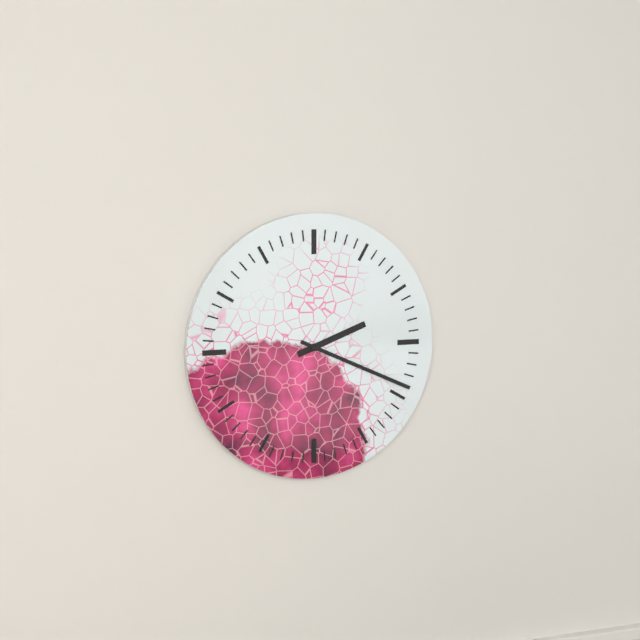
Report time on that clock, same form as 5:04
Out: 2:19
